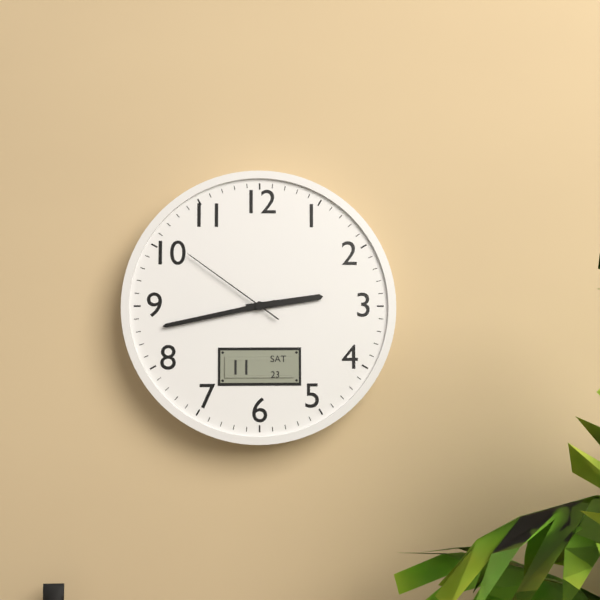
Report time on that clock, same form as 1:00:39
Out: 2:43:51
